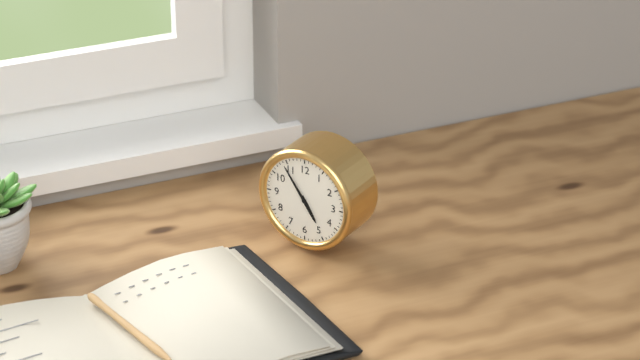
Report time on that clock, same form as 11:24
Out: 4:54
